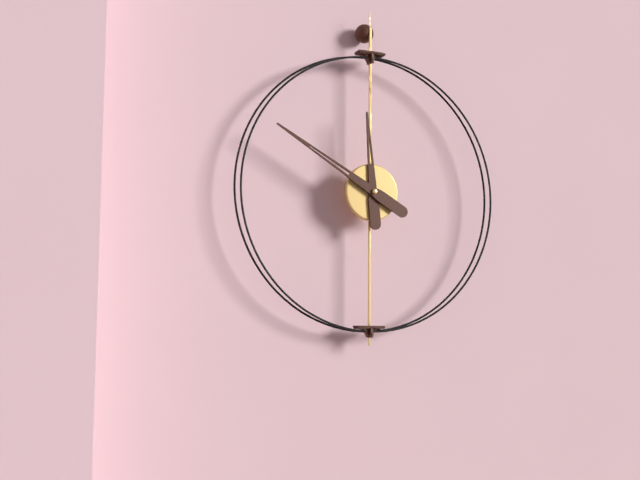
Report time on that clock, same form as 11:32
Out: 11:50
